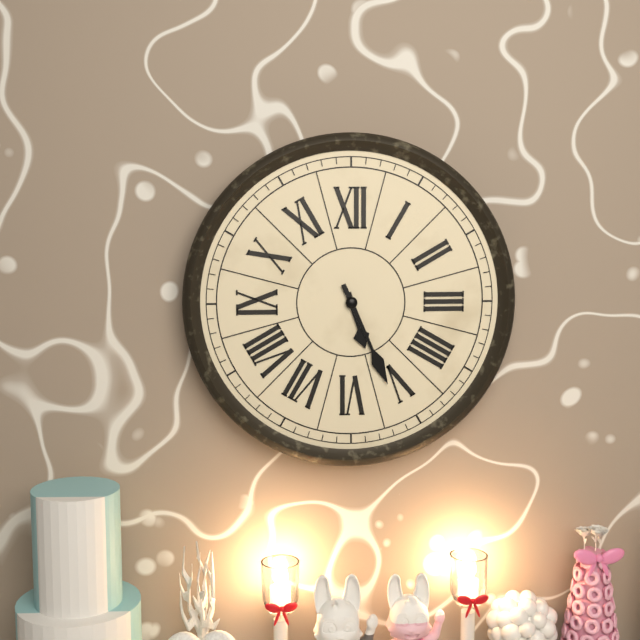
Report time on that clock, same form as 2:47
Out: 5:26
